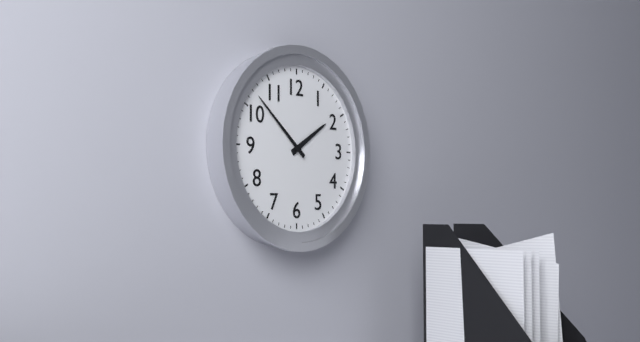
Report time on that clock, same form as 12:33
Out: 1:52
